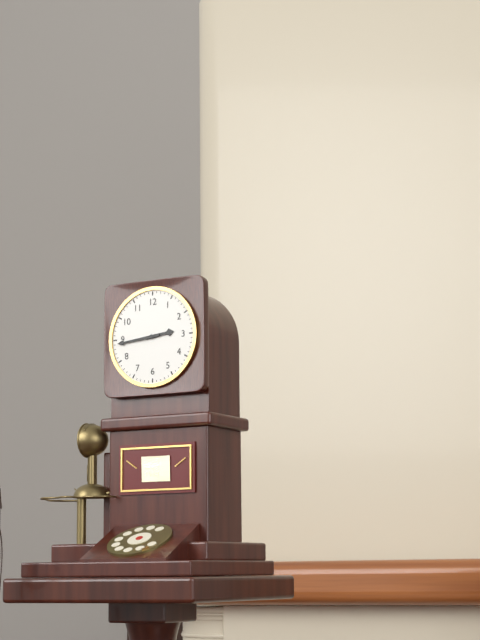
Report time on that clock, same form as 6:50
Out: 2:44
